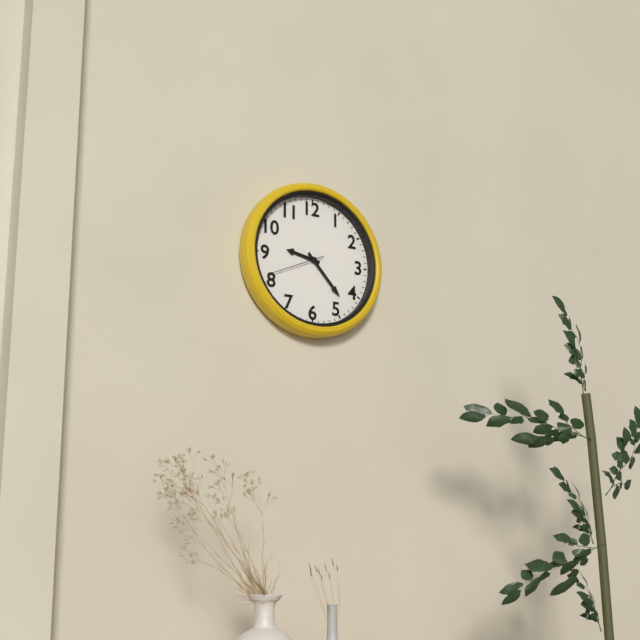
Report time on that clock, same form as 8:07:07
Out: 9:23:41
